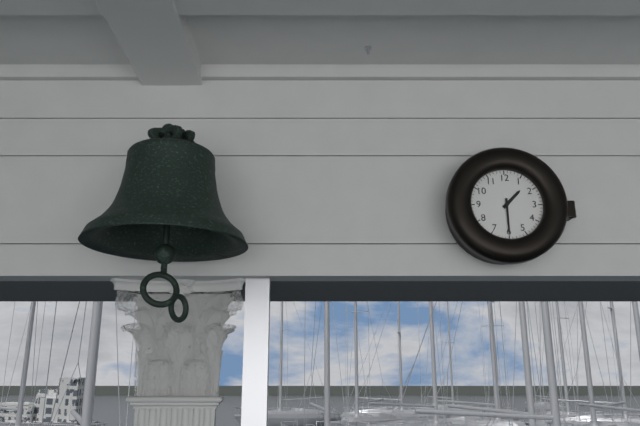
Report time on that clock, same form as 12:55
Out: 1:30
